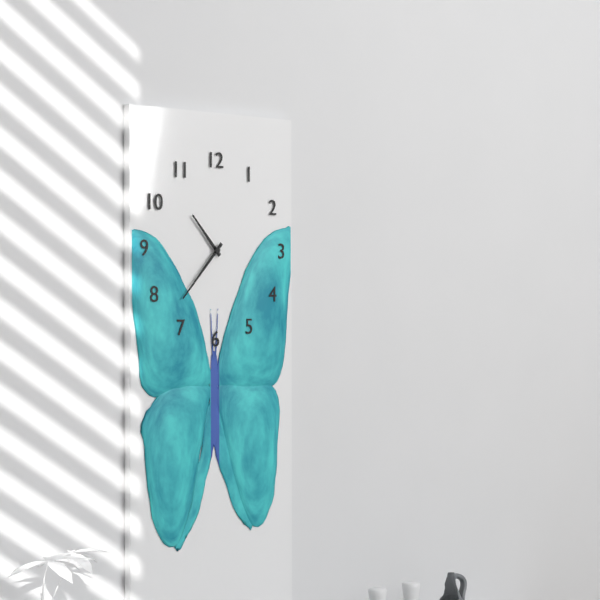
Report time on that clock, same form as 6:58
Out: 10:37
